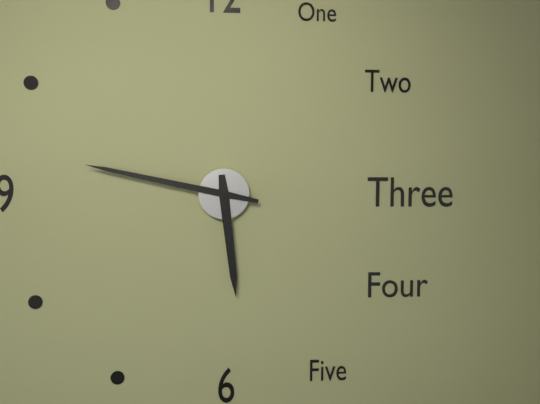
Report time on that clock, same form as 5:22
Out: 5:47
